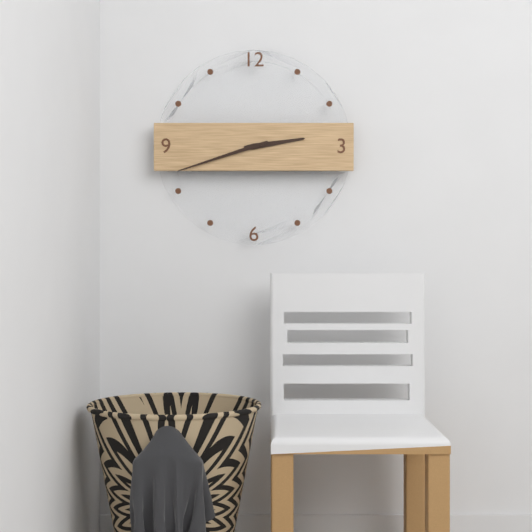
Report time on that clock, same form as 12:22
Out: 2:42
